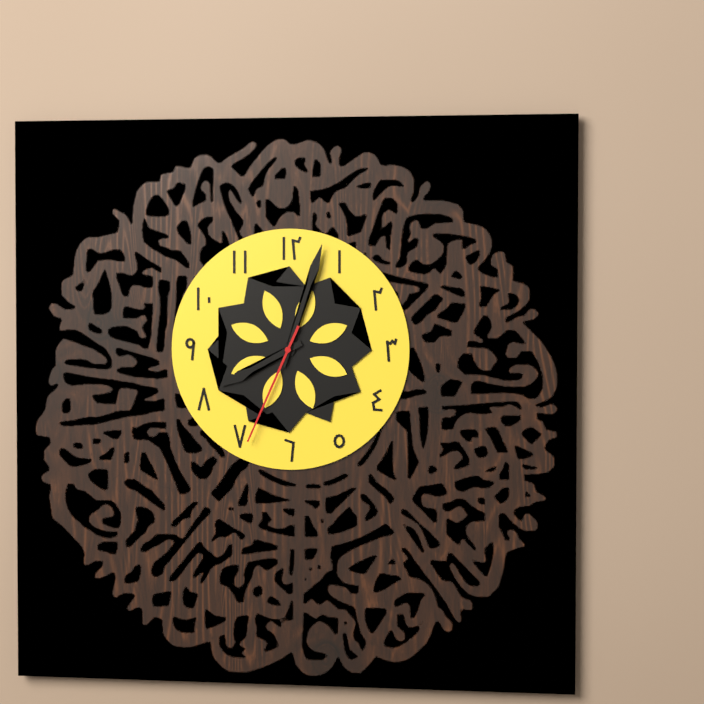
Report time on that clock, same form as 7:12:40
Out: 8:03:34
